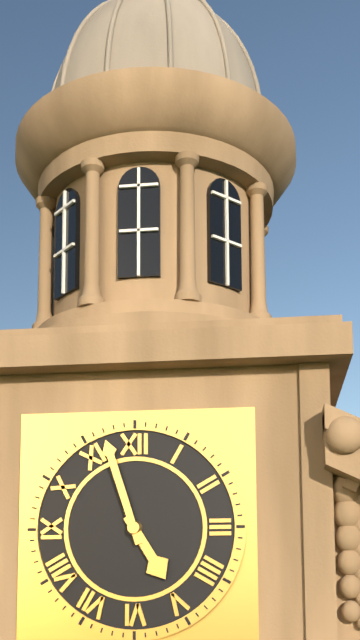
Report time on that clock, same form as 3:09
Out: 4:57
